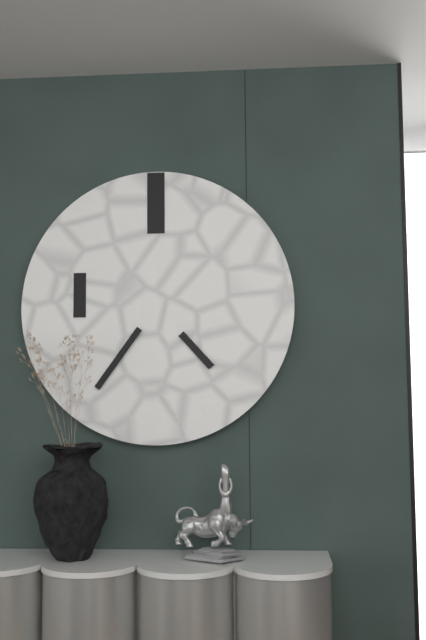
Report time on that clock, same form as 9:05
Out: 4:36
